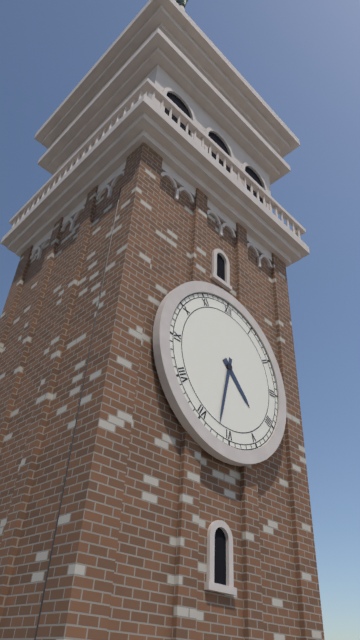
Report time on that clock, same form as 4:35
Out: 4:32
